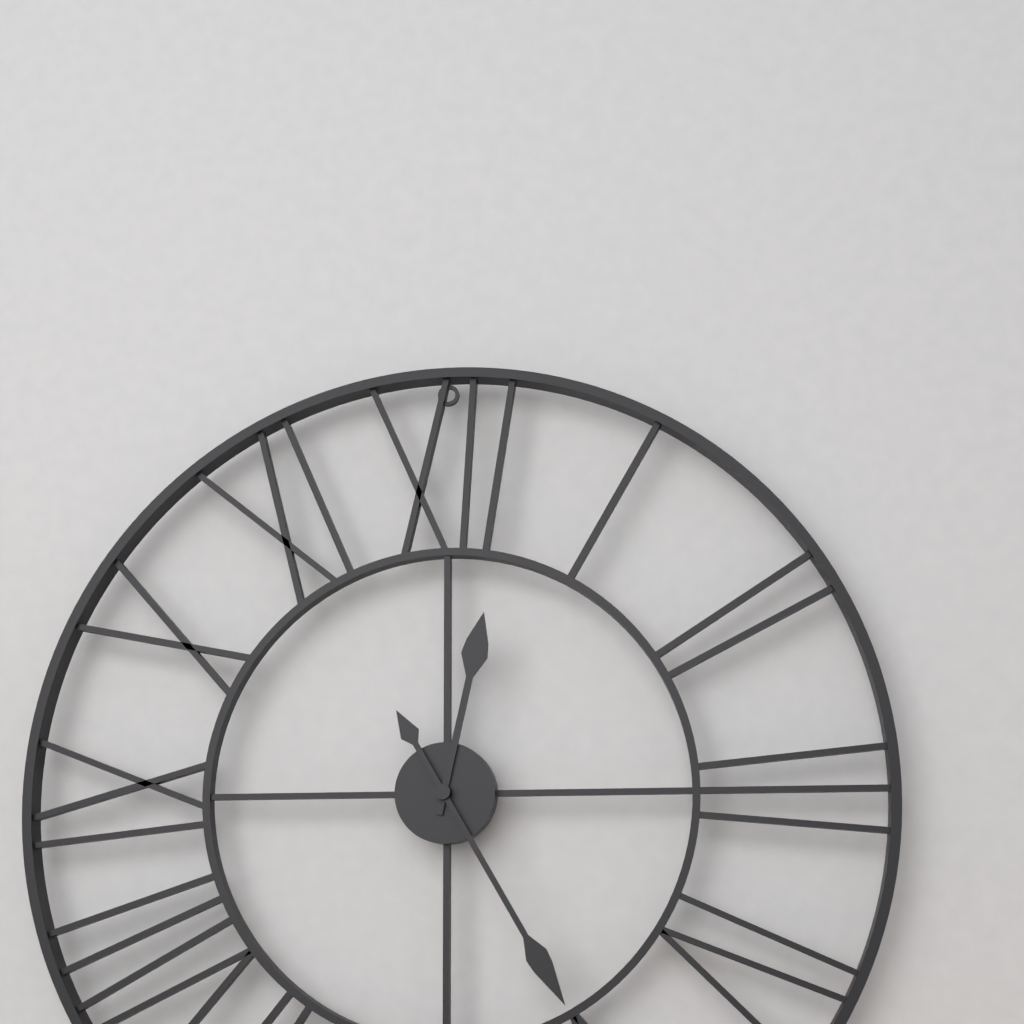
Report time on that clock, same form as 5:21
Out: 12:25
